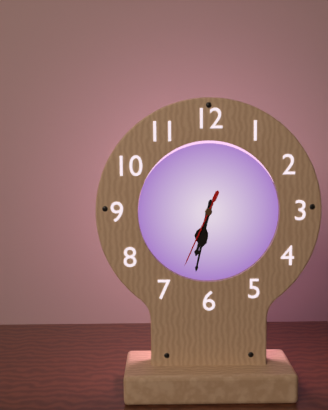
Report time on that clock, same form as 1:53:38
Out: 6:32:34
